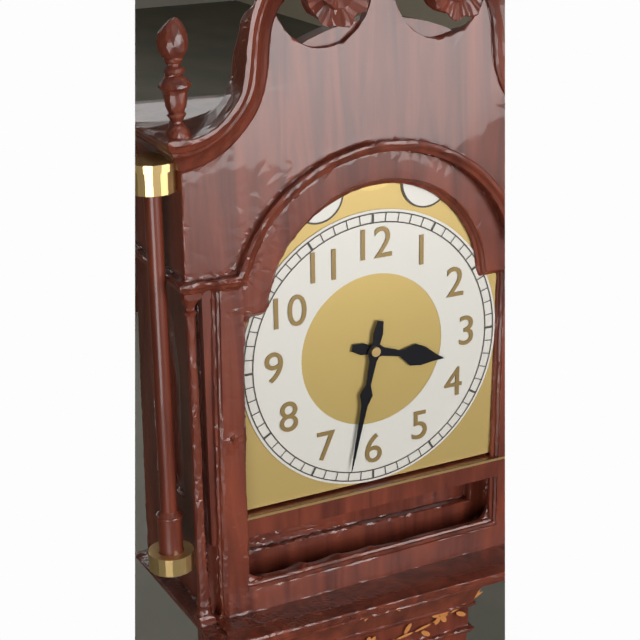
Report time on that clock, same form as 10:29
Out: 3:32
